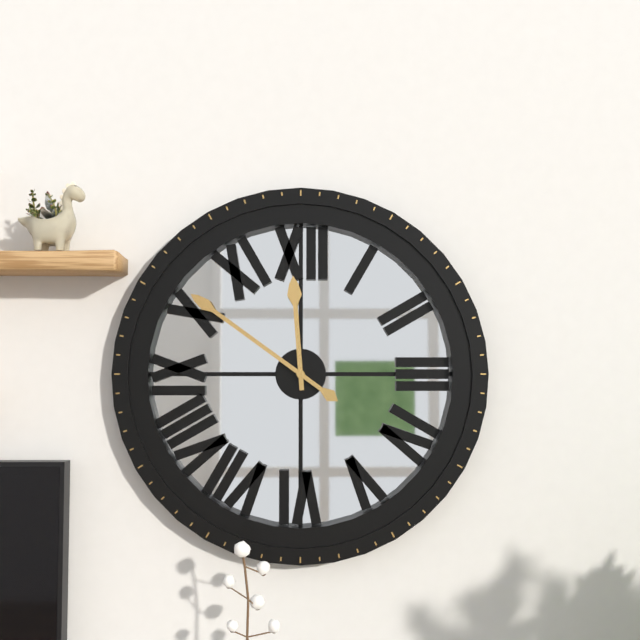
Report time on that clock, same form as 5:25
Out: 11:51
